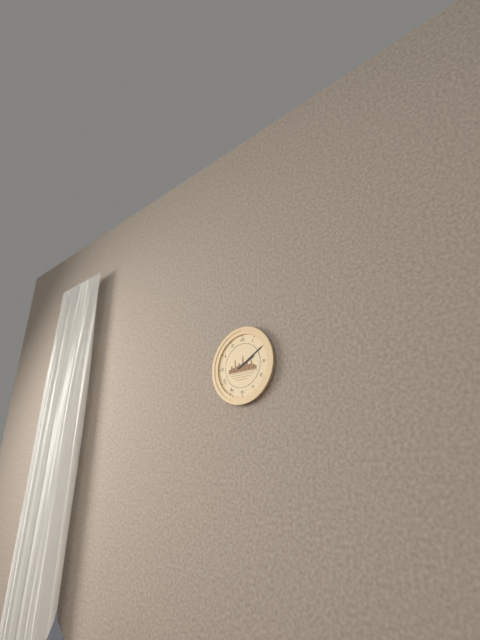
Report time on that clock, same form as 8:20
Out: 2:10
